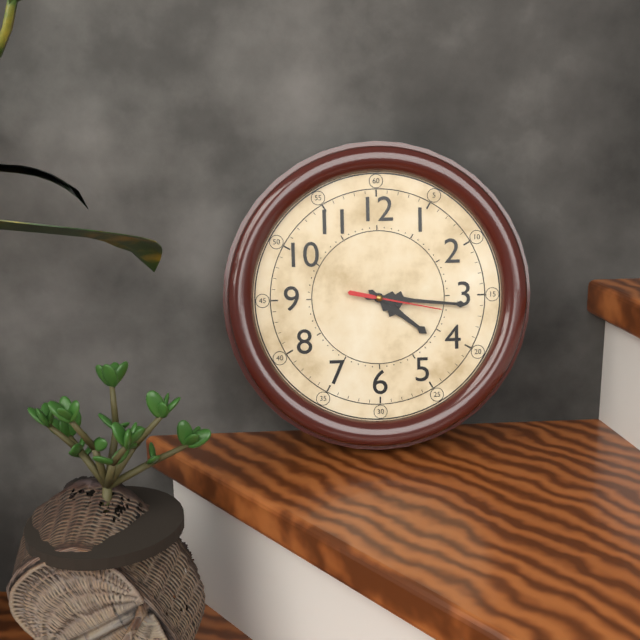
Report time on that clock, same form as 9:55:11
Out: 4:16:17
